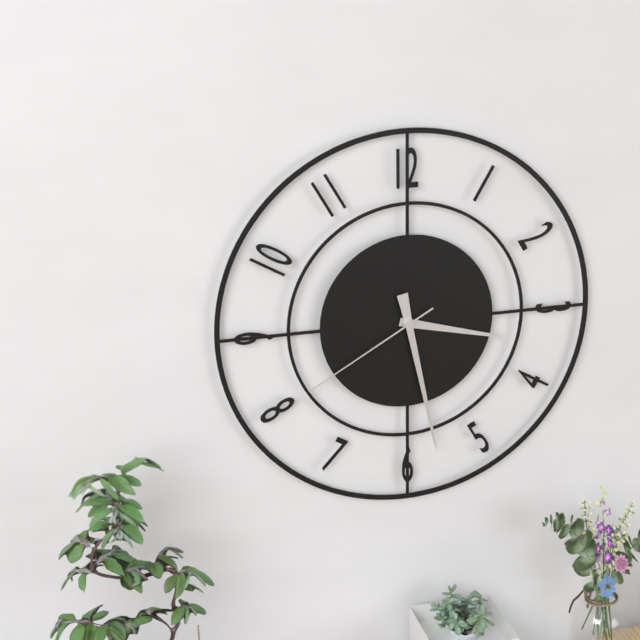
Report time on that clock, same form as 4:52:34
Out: 3:28:40
